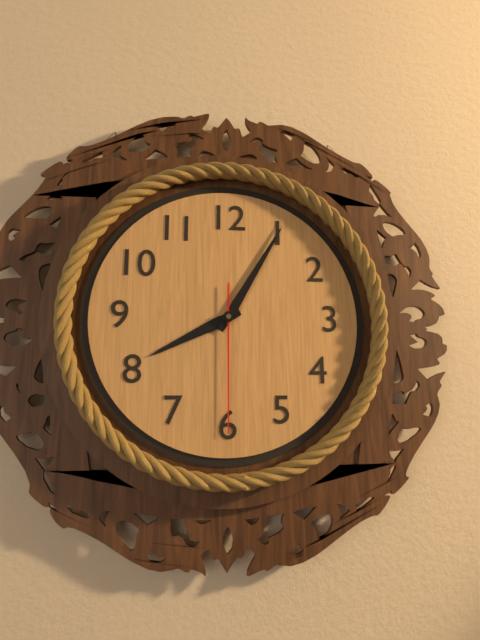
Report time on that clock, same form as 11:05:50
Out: 8:05:30
